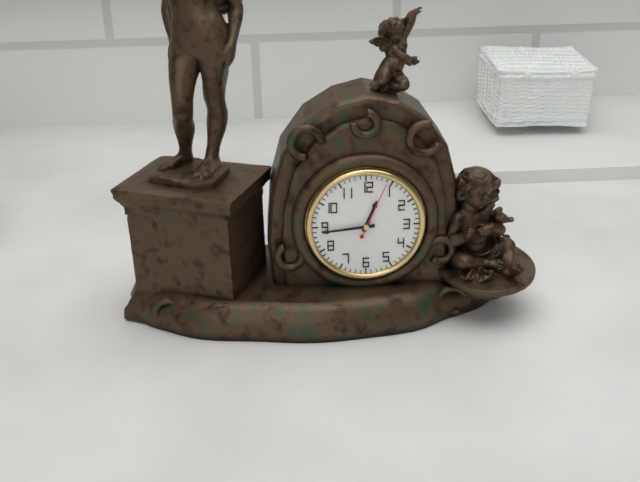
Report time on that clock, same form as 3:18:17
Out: 12:44:04
